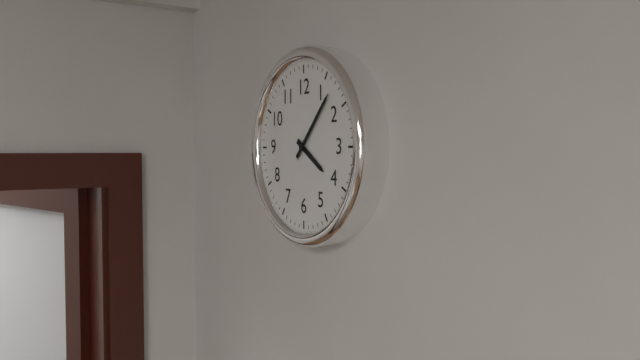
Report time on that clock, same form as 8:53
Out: 4:07
